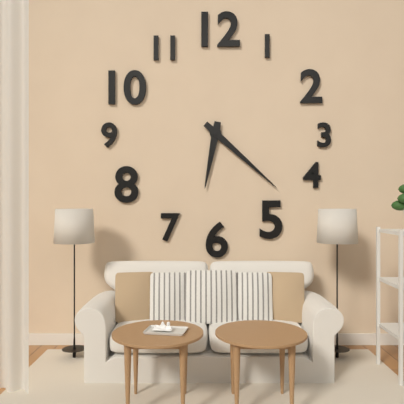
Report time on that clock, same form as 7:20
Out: 6:22
